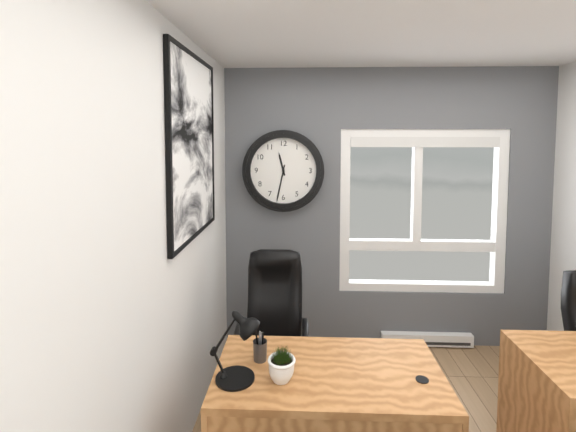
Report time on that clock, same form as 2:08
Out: 11:32
